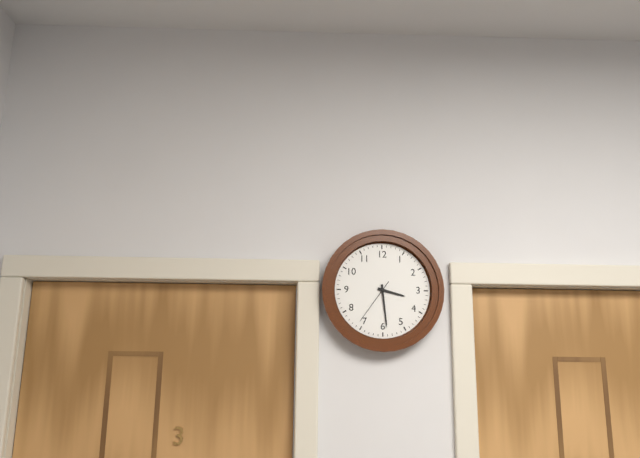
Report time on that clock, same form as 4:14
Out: 3:29
